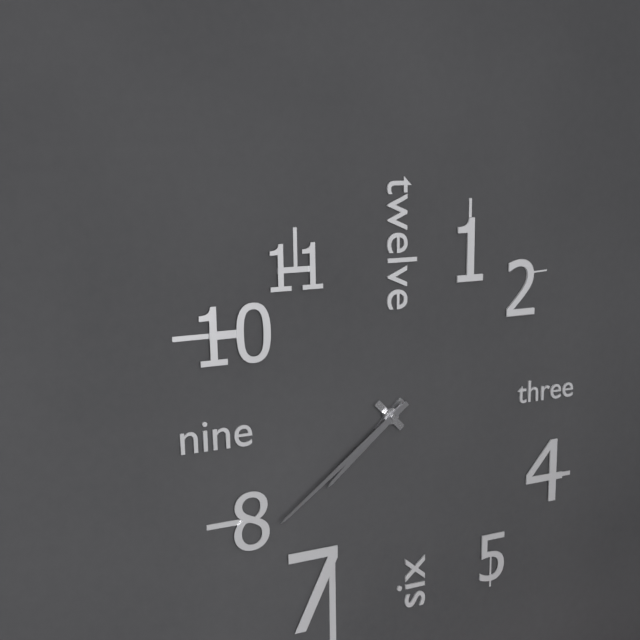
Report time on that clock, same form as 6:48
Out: 7:39
